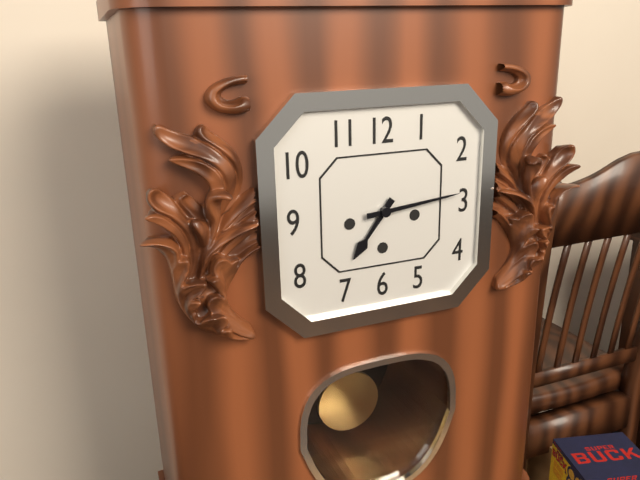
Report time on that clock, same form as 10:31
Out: 7:14
